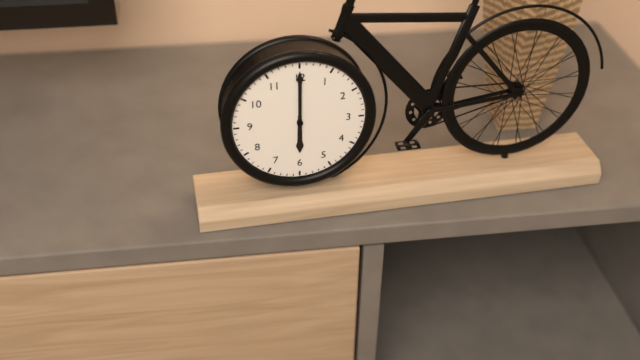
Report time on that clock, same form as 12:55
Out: 6:00
